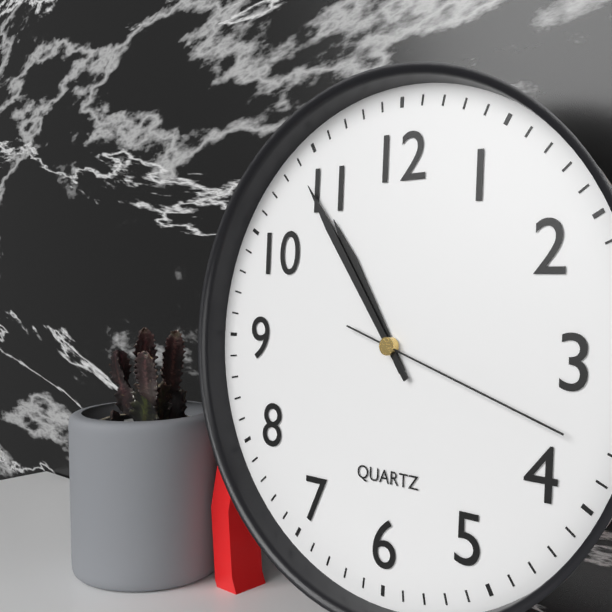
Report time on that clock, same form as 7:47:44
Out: 10:54:18
